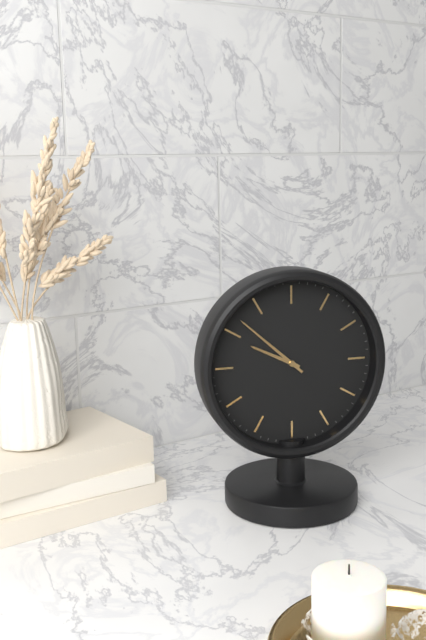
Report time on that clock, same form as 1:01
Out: 9:52
